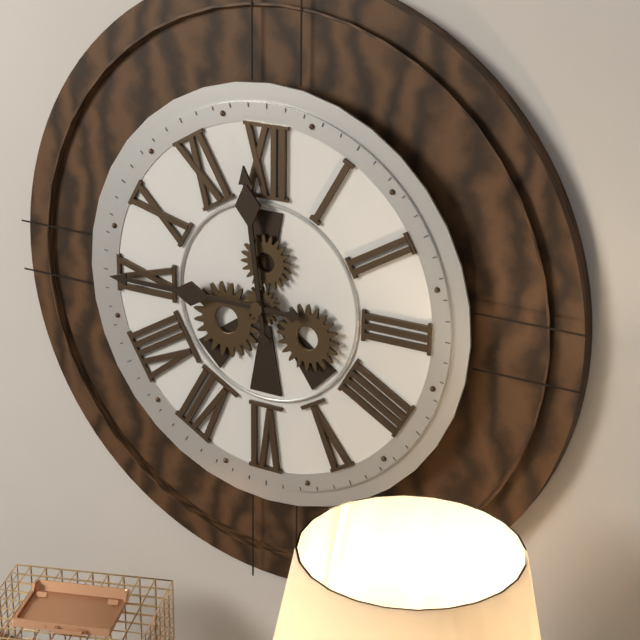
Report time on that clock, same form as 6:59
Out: 11:45
